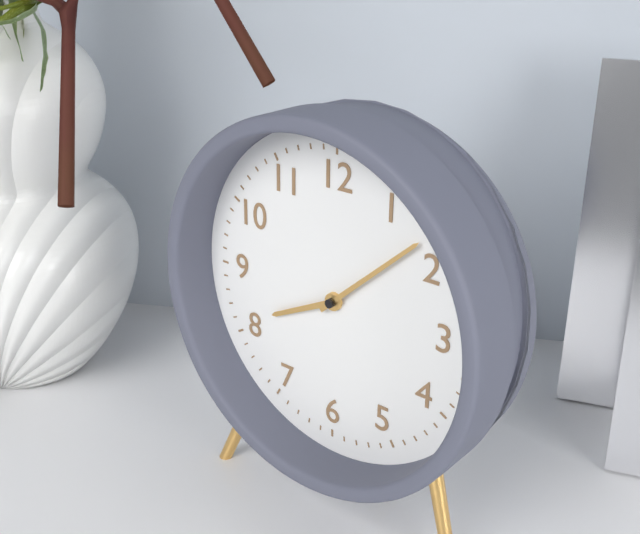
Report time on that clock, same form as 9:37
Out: 8:08
